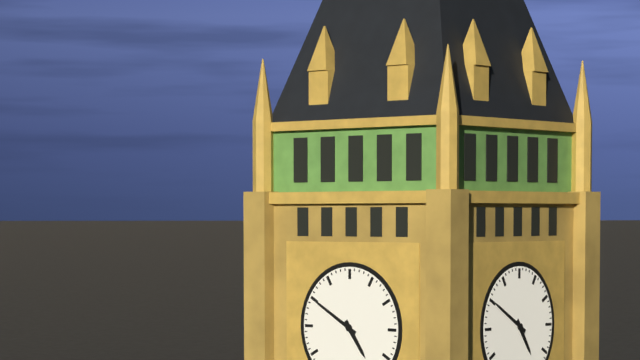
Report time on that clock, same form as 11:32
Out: 4:50
